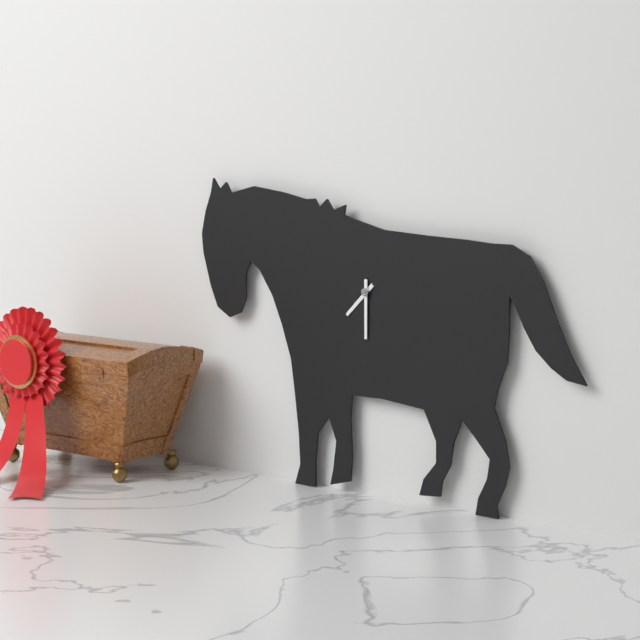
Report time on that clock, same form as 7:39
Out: 7:30
